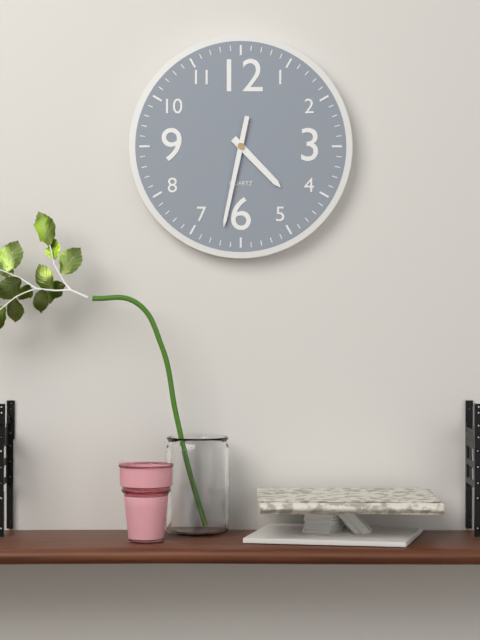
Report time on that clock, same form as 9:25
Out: 4:32
